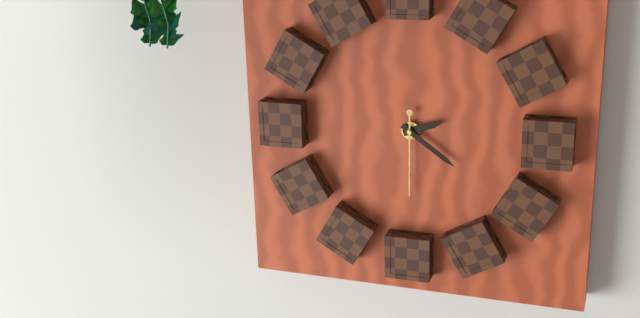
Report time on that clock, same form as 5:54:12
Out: 2:21:30
